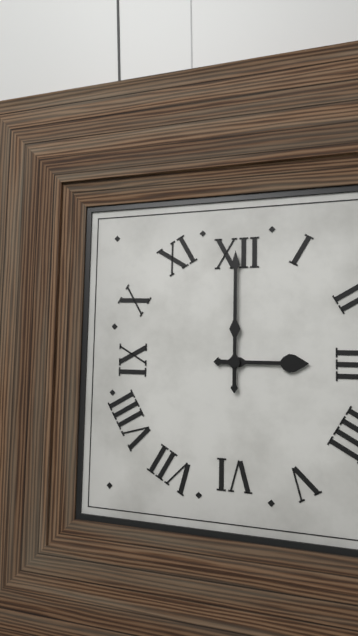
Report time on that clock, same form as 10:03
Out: 3:00
